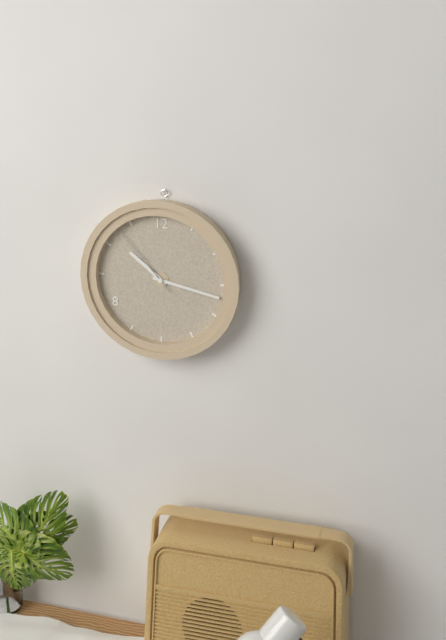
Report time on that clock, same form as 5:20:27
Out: 10:17:53
